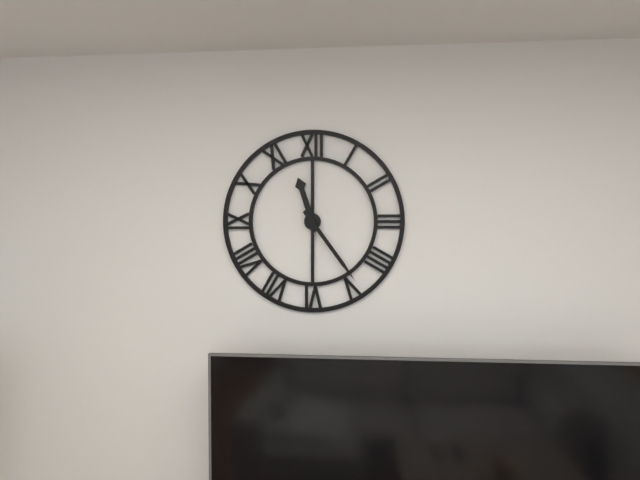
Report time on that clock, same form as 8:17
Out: 11:24
